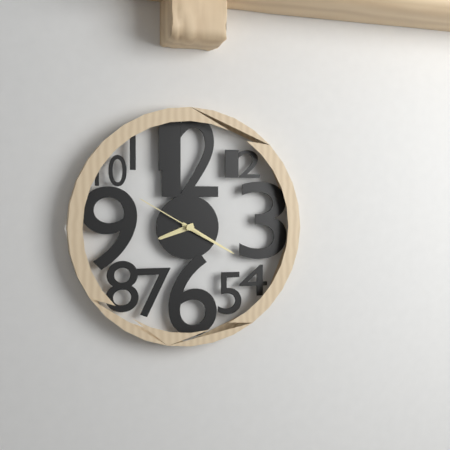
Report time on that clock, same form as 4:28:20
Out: 8:20:50
